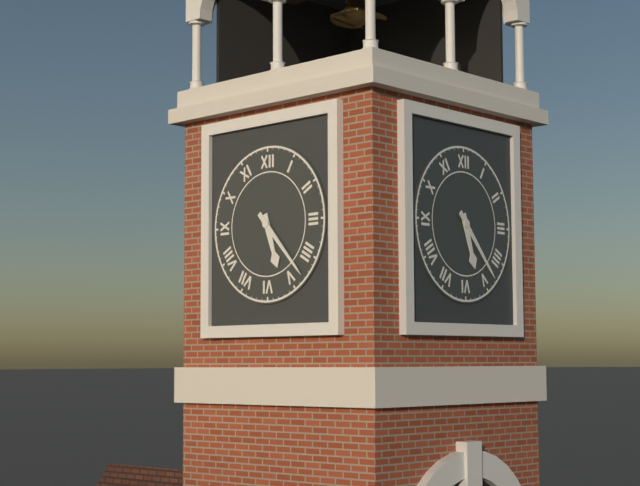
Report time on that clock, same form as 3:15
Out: 5:23
